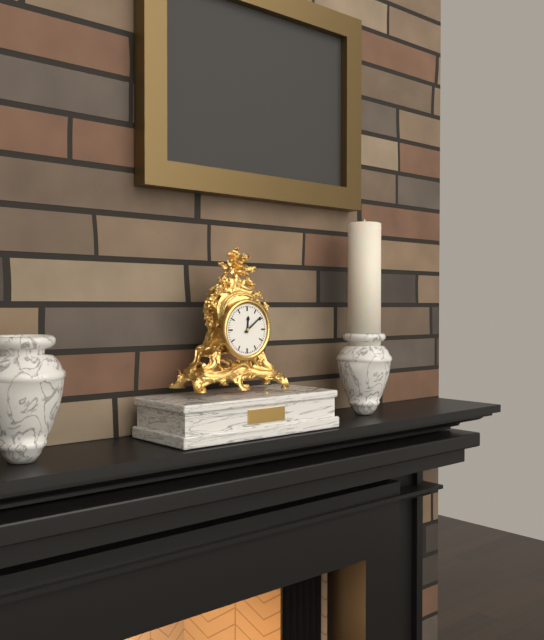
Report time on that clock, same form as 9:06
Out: 12:09
